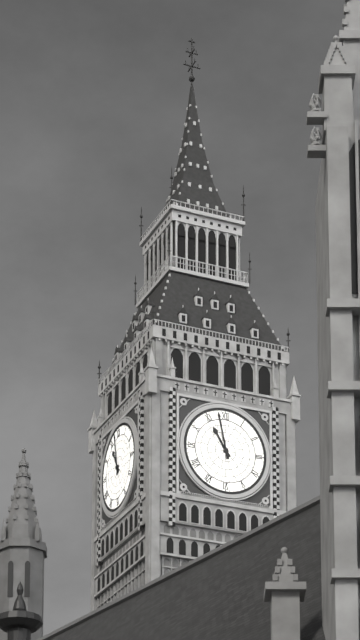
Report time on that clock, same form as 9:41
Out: 10:58
